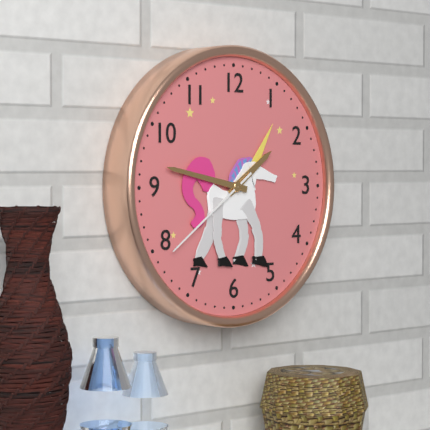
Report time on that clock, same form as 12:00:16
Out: 1:47:39
